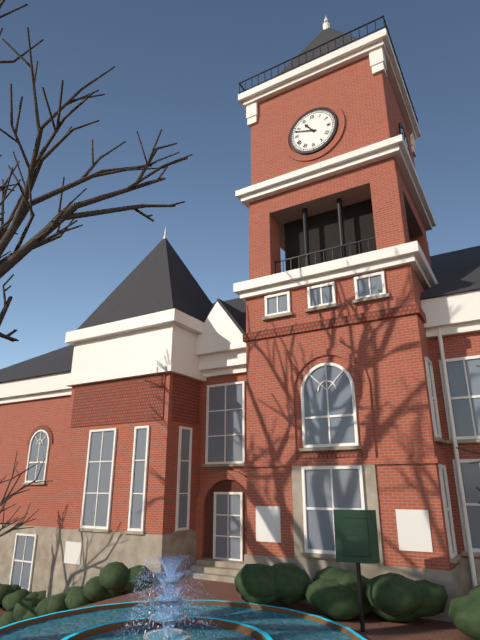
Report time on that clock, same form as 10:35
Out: 10:48
